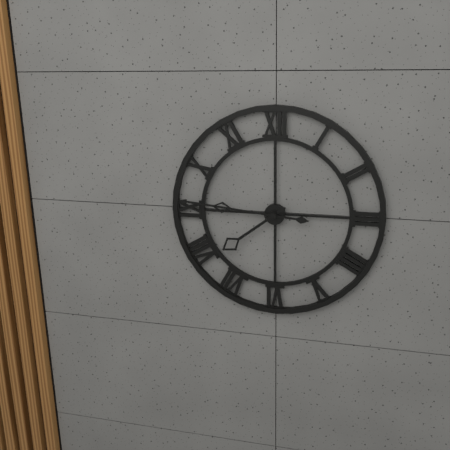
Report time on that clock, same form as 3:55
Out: 7:46
